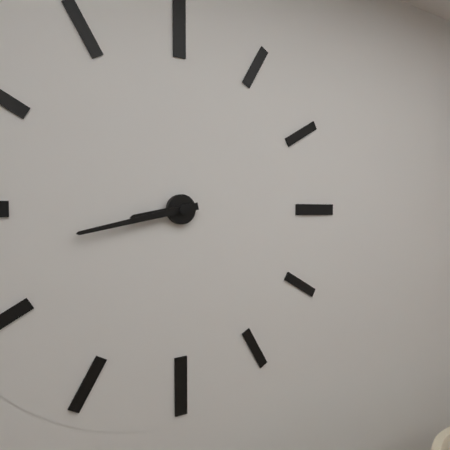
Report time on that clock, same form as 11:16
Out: 8:43
